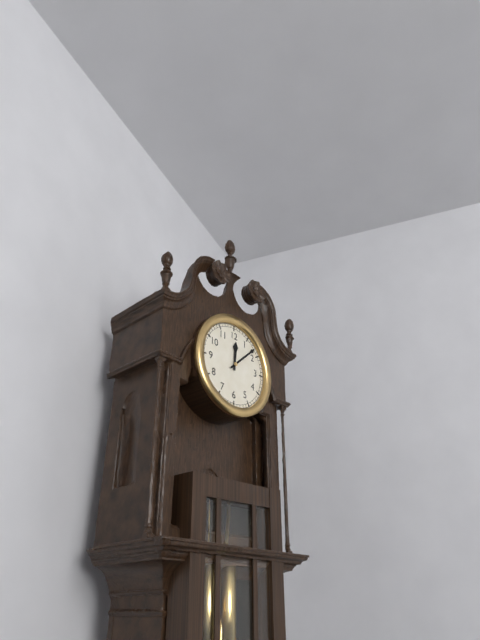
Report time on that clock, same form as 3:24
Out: 12:08
